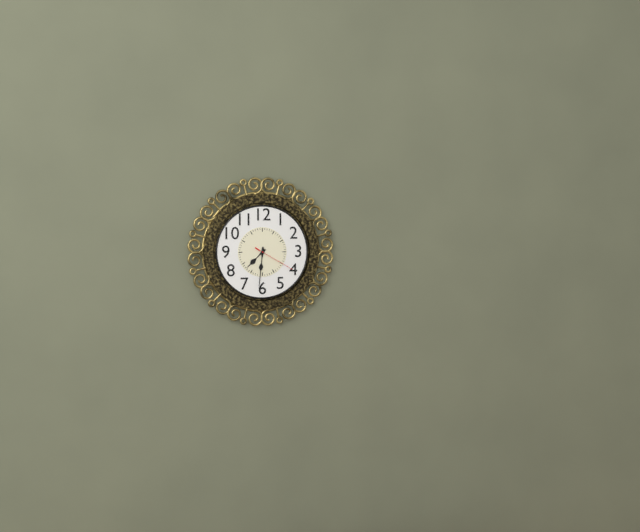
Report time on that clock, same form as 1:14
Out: 7:31
